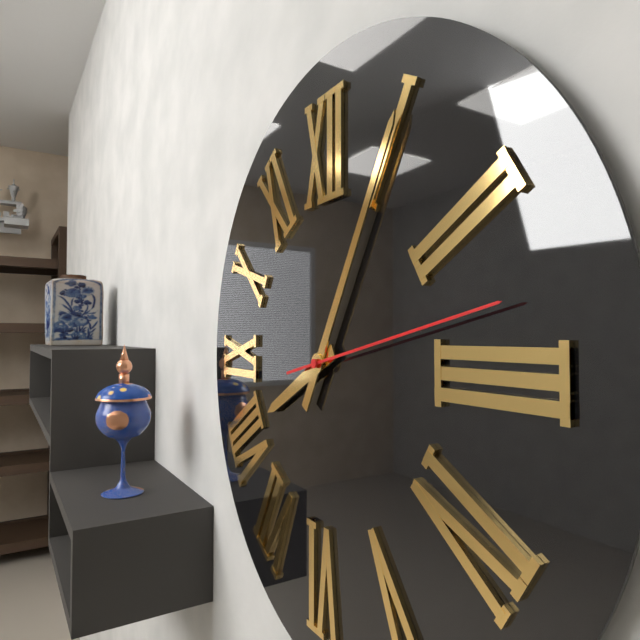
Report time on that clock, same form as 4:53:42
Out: 8:05:13
